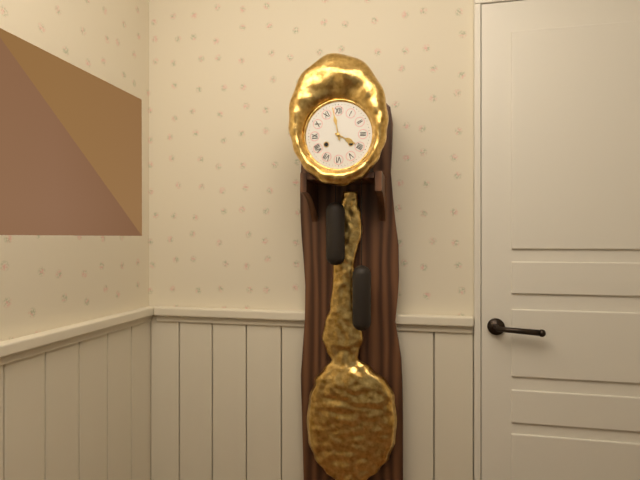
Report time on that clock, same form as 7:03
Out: 3:58
